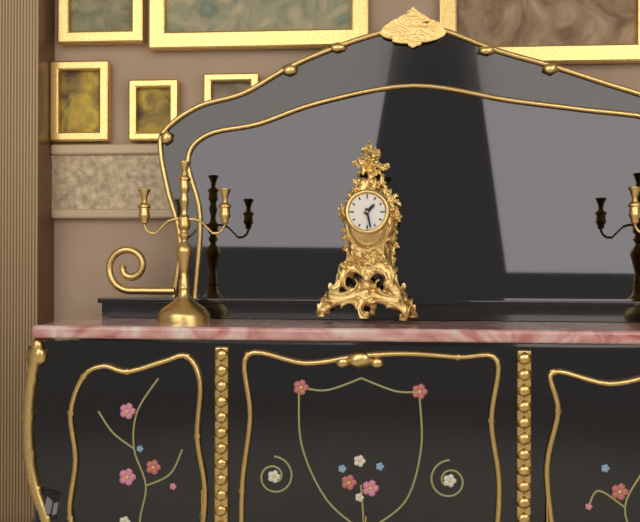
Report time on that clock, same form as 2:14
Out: 1:28
